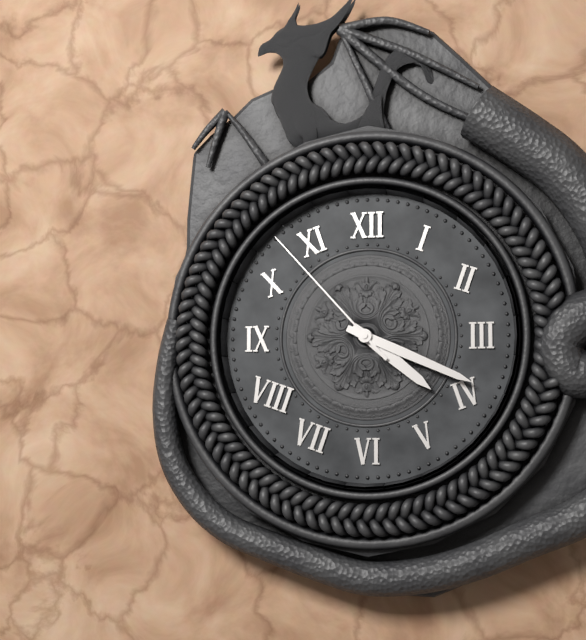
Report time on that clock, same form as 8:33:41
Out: 4:19:53
